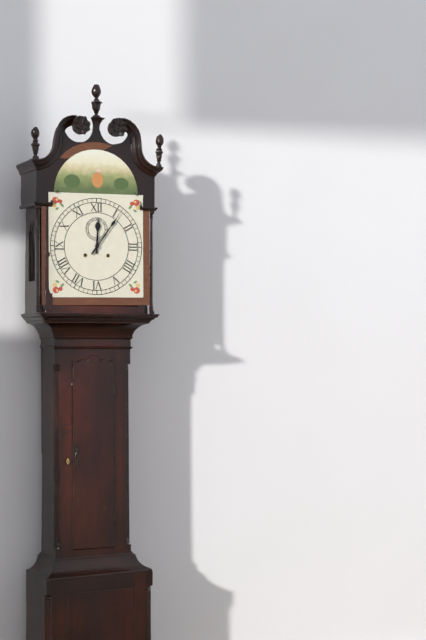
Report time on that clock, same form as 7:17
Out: 12:06
